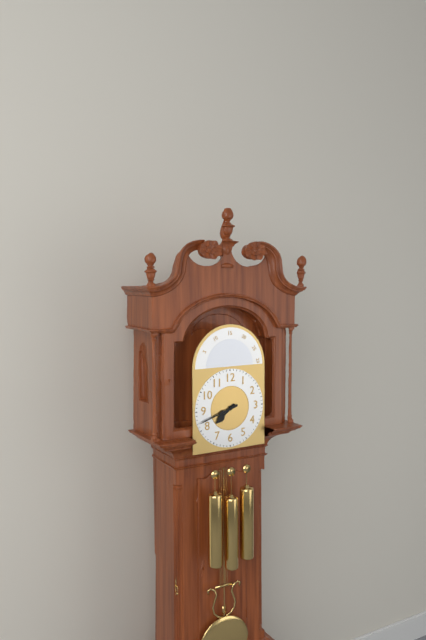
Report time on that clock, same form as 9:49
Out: 7:42
